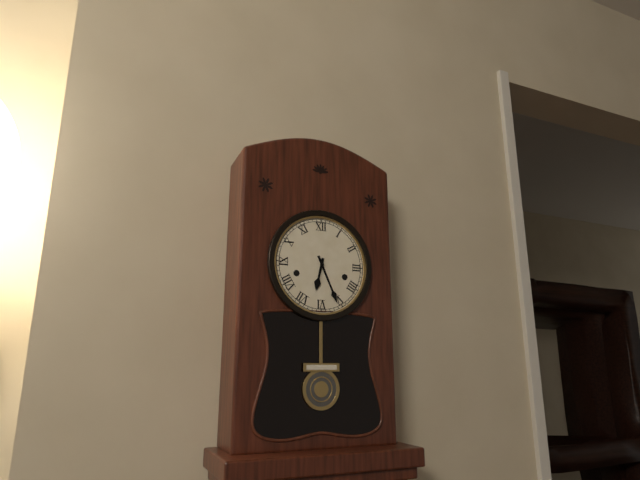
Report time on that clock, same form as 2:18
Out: 6:26
